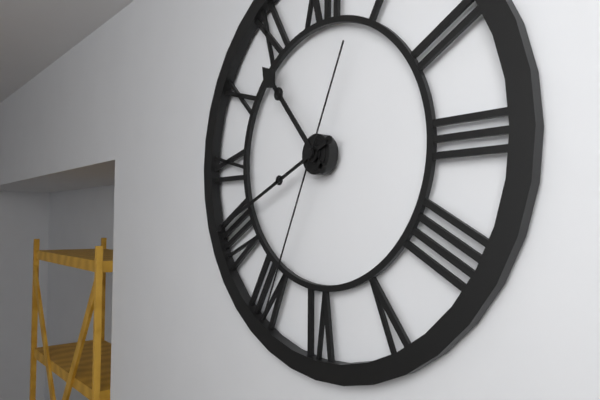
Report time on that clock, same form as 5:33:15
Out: 10:41:34
